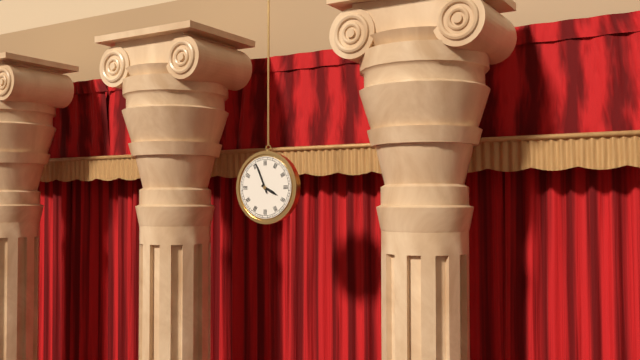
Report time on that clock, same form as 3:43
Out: 3:56
